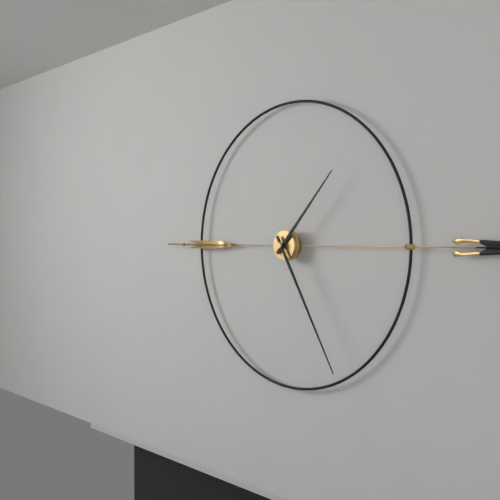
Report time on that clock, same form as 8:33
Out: 1:25
